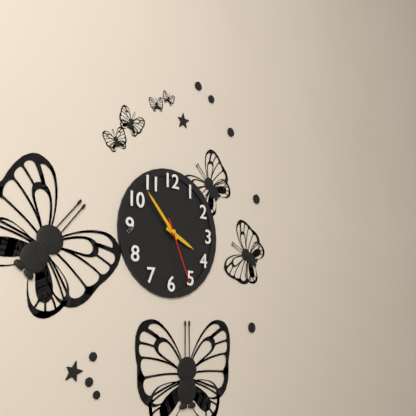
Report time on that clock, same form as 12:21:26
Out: 3:53:26
